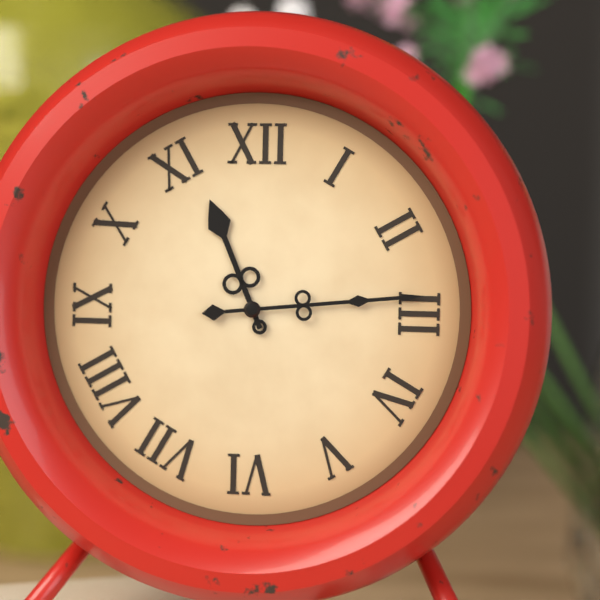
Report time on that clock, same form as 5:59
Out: 11:14
